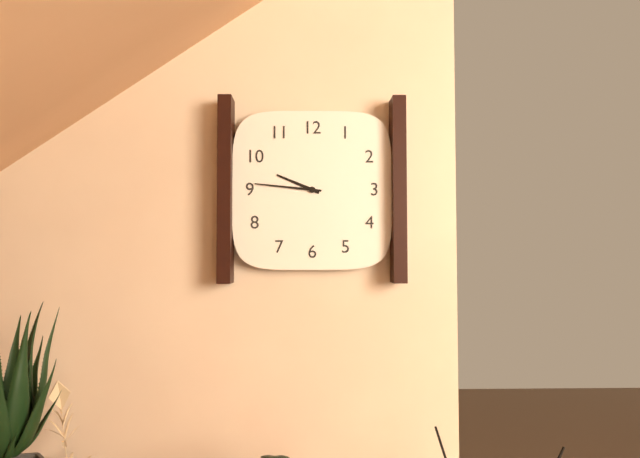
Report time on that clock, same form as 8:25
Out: 9:46
